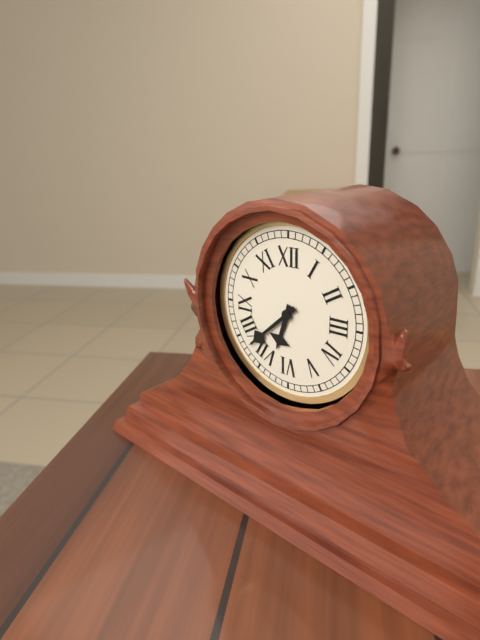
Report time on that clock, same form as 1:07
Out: 6:38
